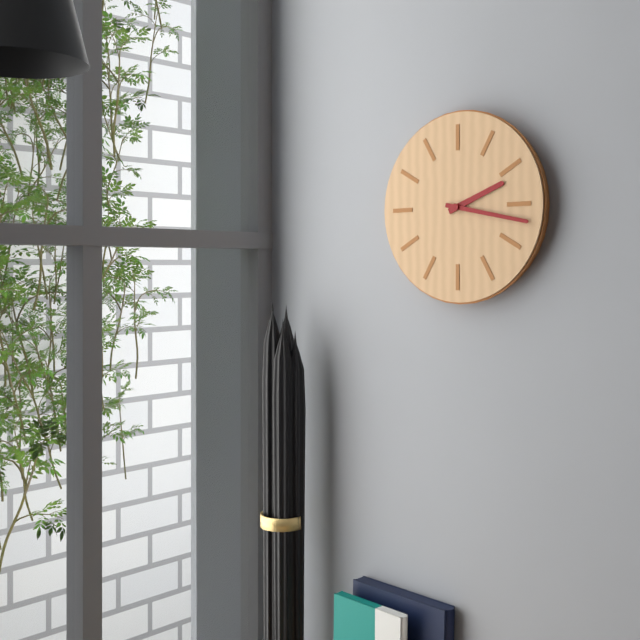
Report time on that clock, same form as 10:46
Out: 2:17
